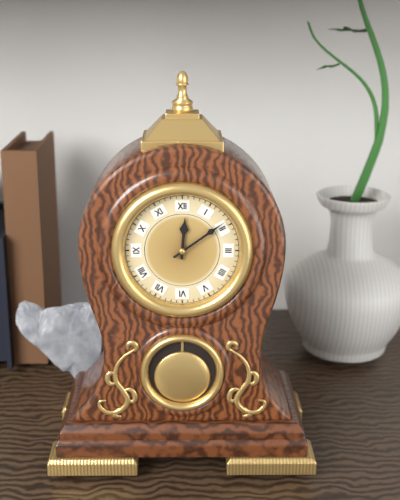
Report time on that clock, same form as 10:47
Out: 12:09
